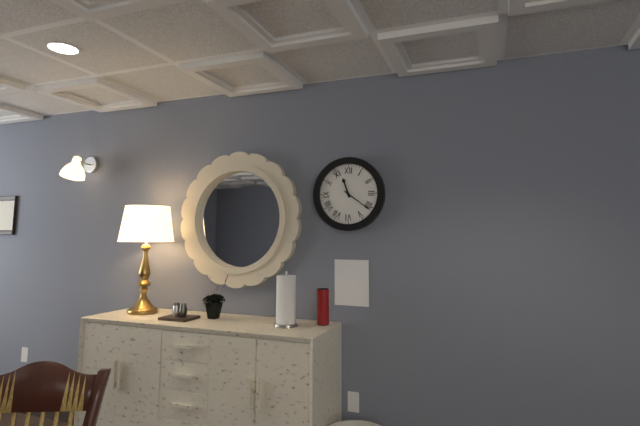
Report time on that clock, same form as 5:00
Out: 11:21
